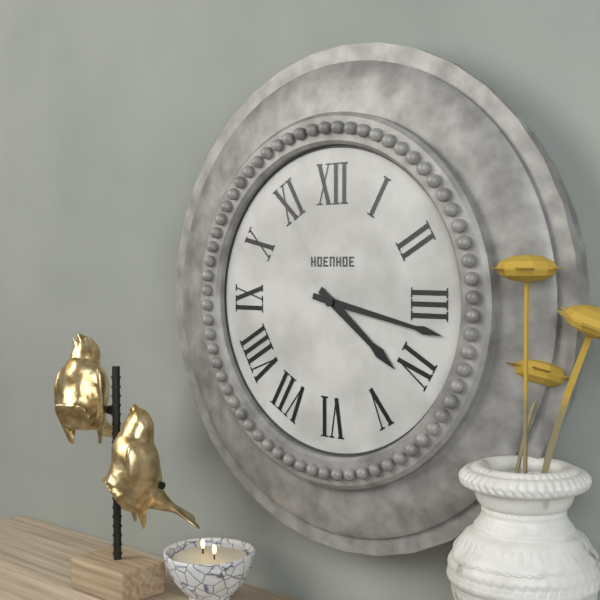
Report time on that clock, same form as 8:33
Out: 4:17
